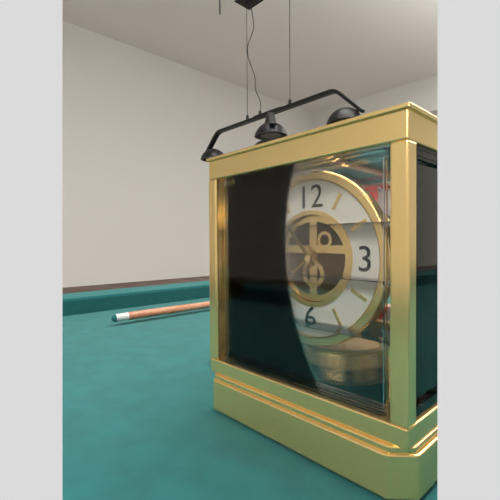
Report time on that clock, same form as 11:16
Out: 10:39
